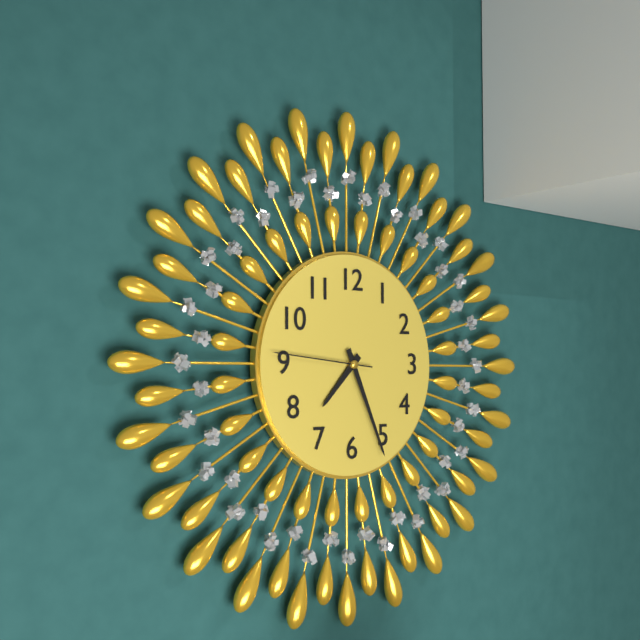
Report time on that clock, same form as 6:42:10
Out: 7:26:46
